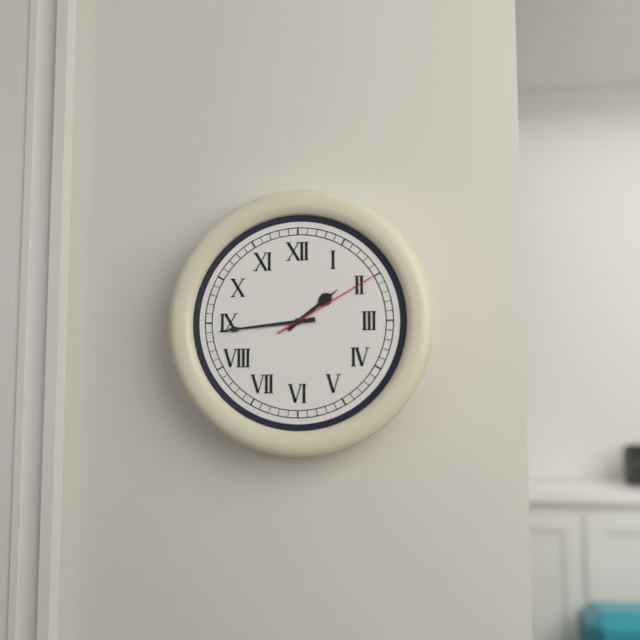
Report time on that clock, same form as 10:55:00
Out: 1:44:10
